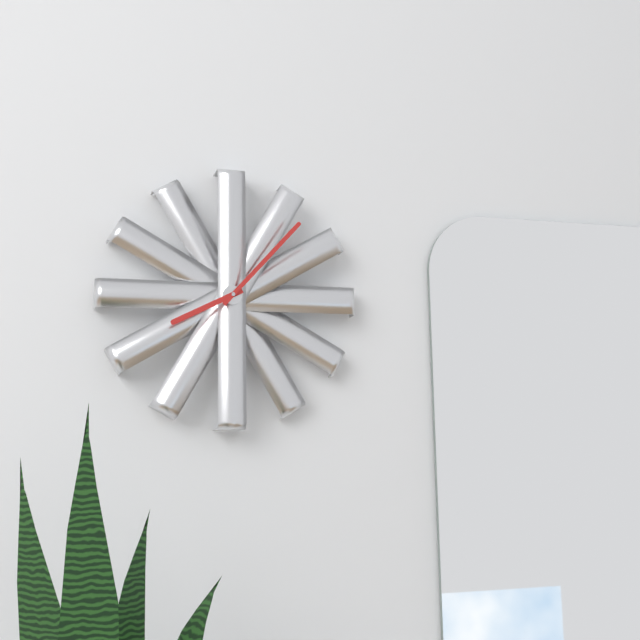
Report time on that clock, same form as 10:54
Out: 8:07
